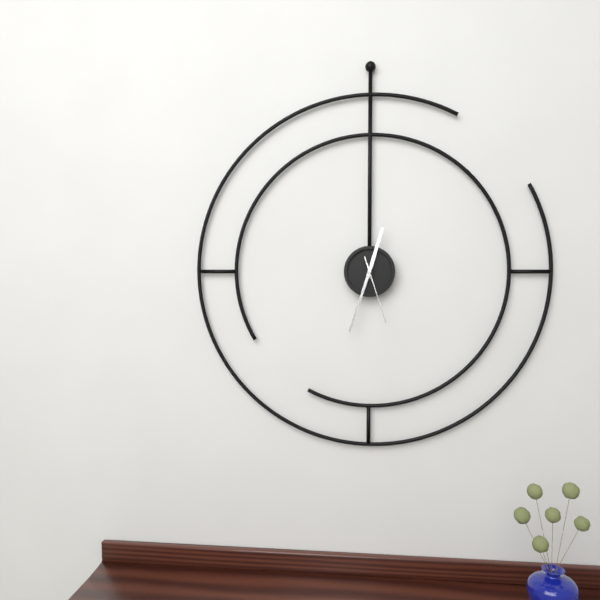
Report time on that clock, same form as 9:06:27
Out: 12:33:27
